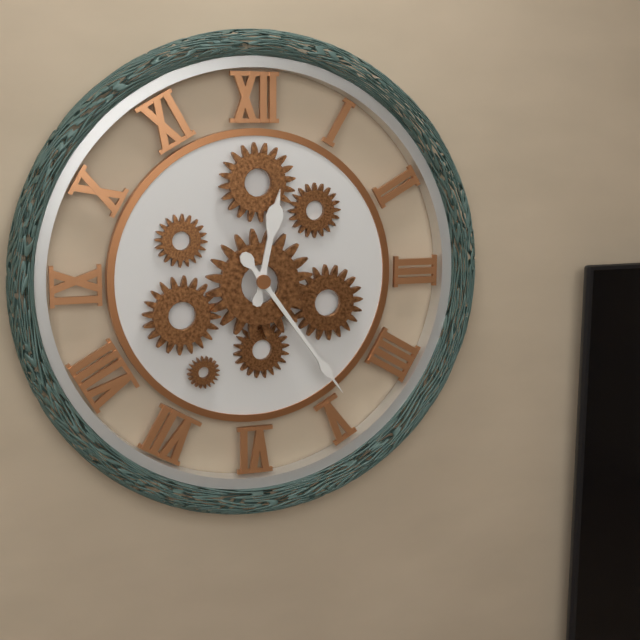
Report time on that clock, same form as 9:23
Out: 12:24
